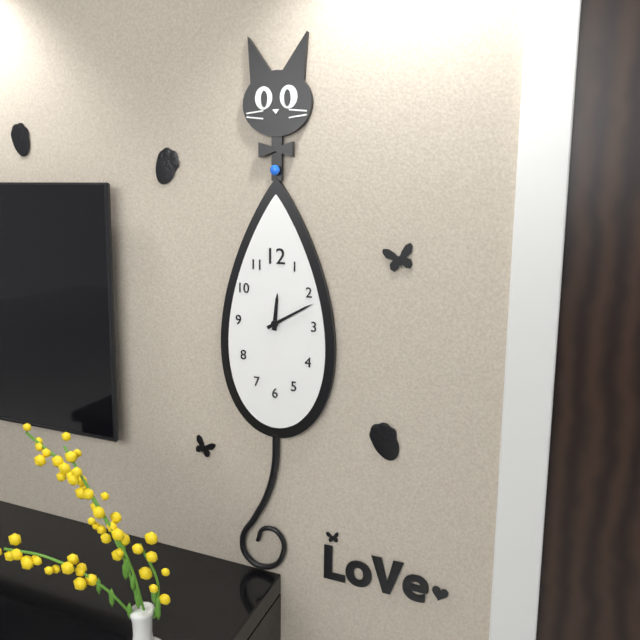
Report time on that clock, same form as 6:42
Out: 12:10
